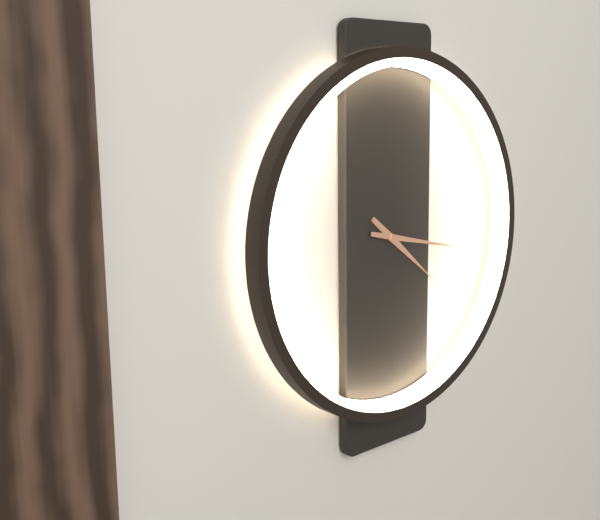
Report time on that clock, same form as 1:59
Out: 4:17
